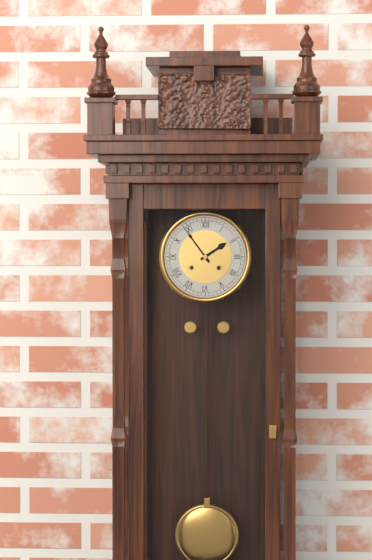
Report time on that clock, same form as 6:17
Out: 1:54
